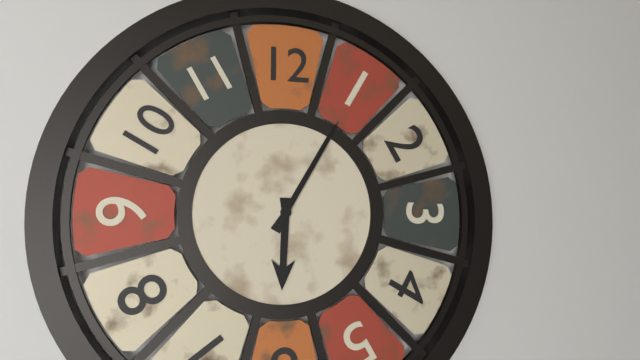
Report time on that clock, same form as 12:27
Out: 6:05
